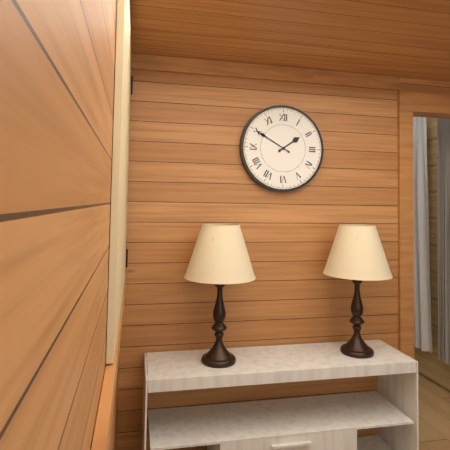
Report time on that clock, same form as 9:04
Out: 1:50
